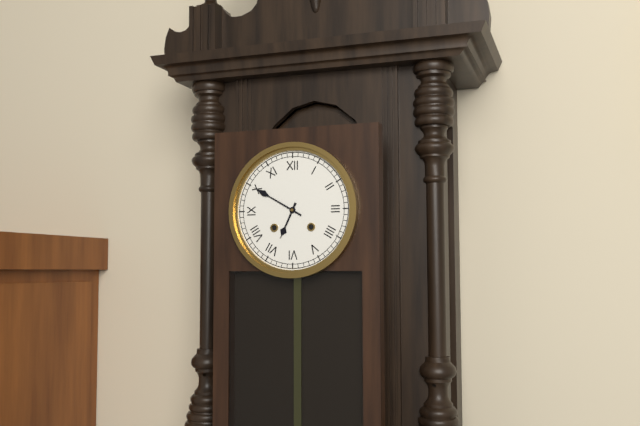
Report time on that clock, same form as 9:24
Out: 6:50
